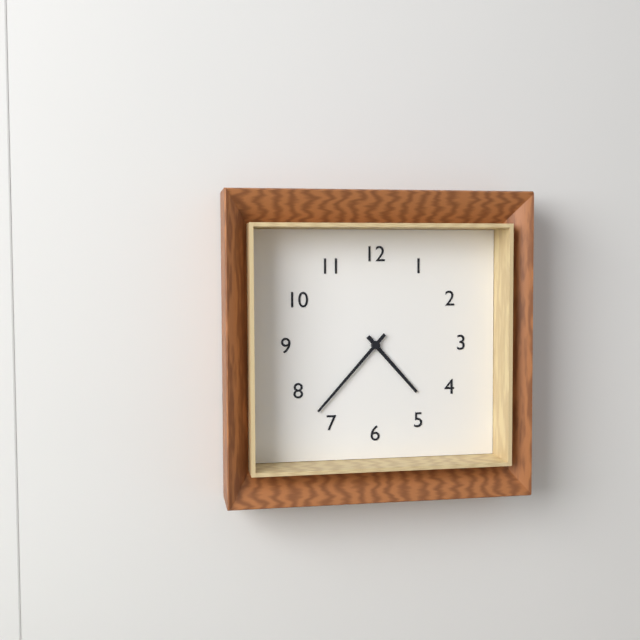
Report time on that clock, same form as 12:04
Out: 4:37
